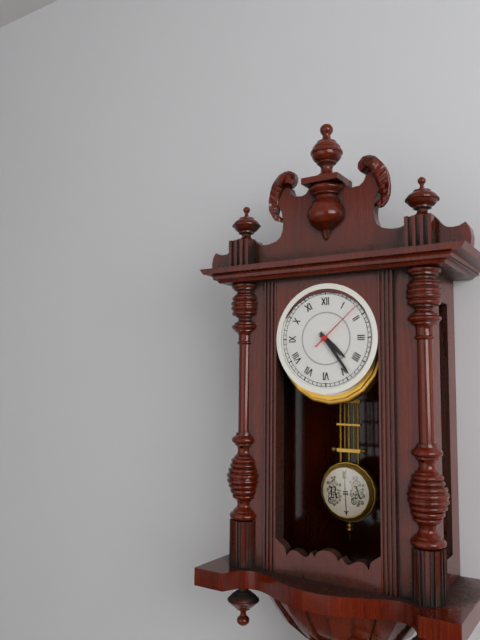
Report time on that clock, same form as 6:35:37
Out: 4:24:08
